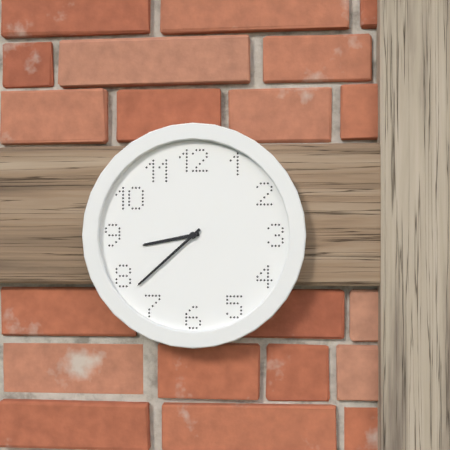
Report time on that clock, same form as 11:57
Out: 8:38
